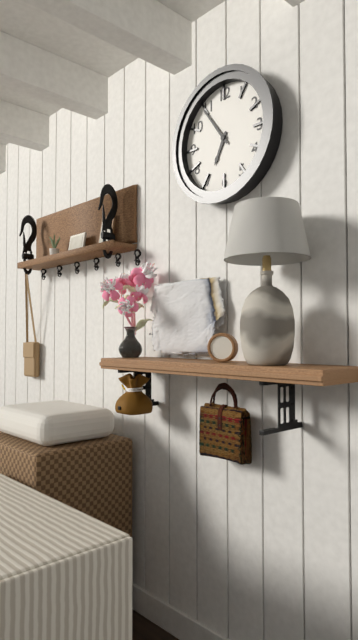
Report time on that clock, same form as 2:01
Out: 6:54
